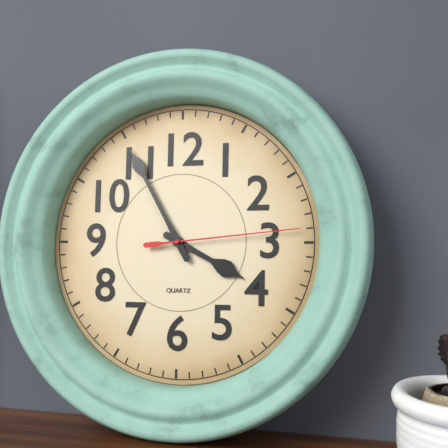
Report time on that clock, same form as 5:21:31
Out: 3:55:14
